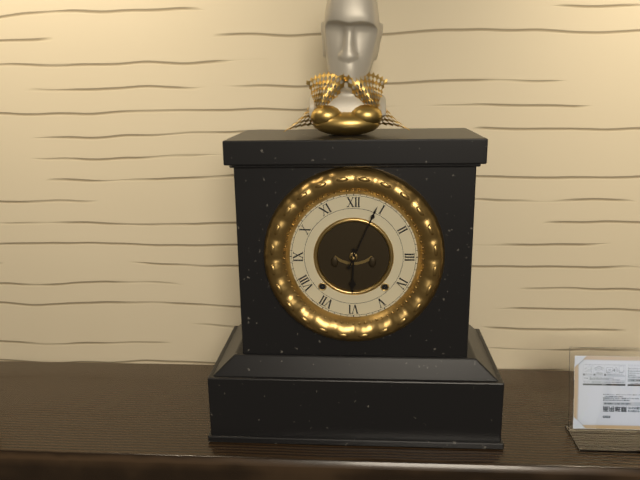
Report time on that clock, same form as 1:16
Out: 6:04
